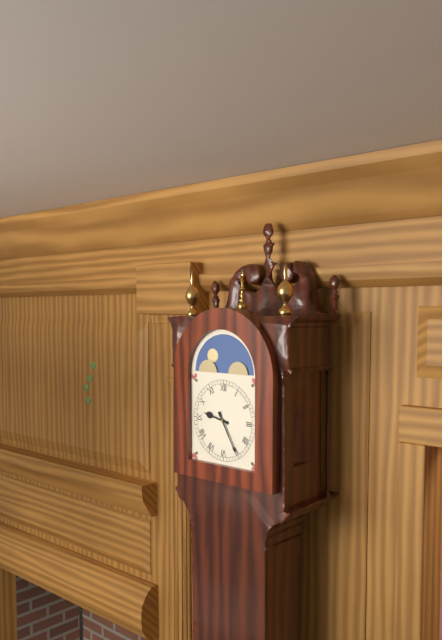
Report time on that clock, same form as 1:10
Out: 9:25
